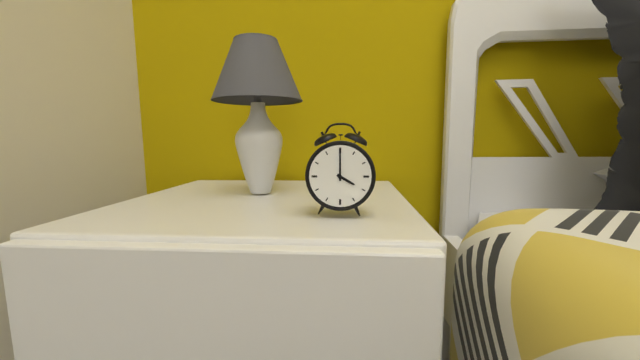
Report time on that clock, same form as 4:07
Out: 4:00
